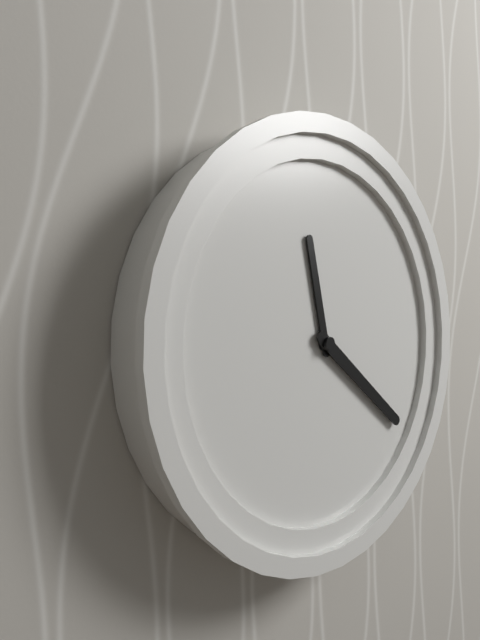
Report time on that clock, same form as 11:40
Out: 11:20
